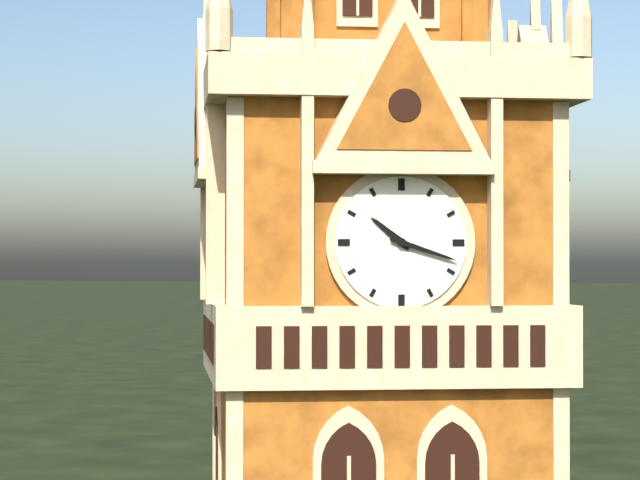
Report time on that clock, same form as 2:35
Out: 10:18
